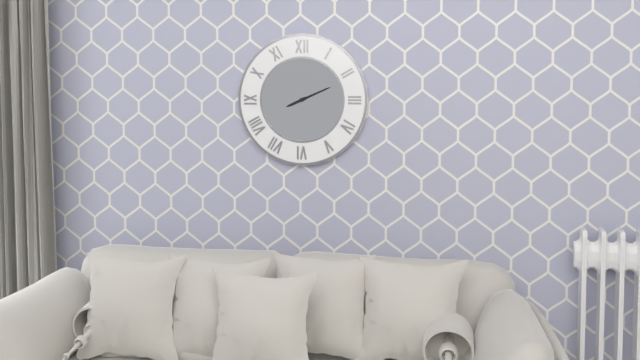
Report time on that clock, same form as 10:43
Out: 8:11
